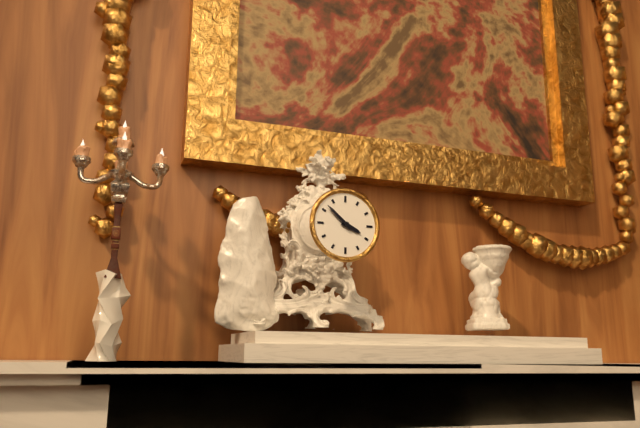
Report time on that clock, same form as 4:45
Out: 3:52
